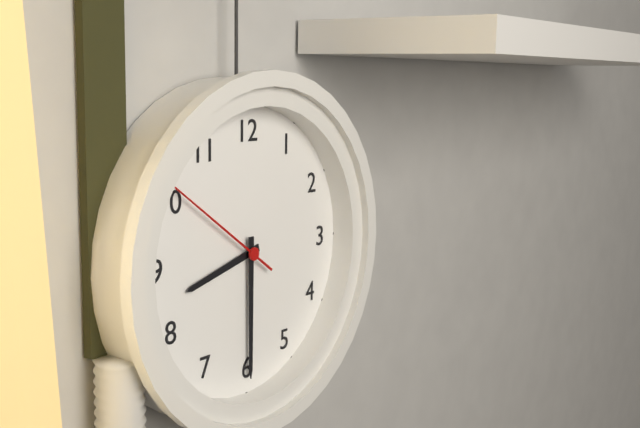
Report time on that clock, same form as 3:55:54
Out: 8:30:51
